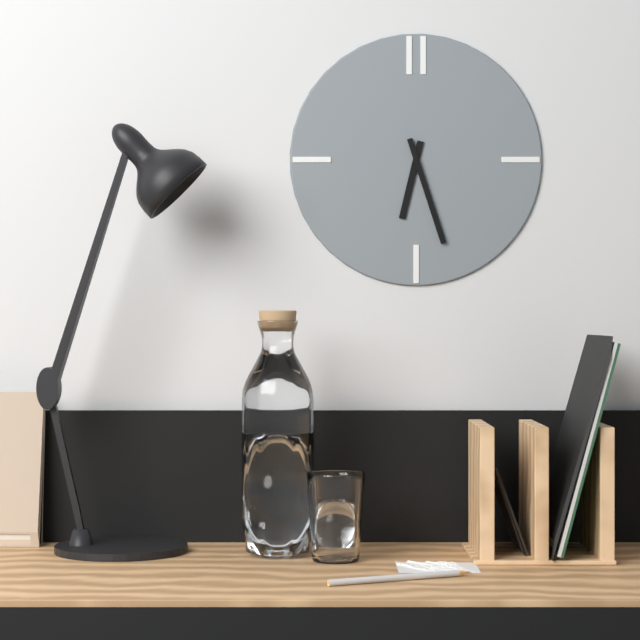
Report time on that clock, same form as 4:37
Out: 6:27
